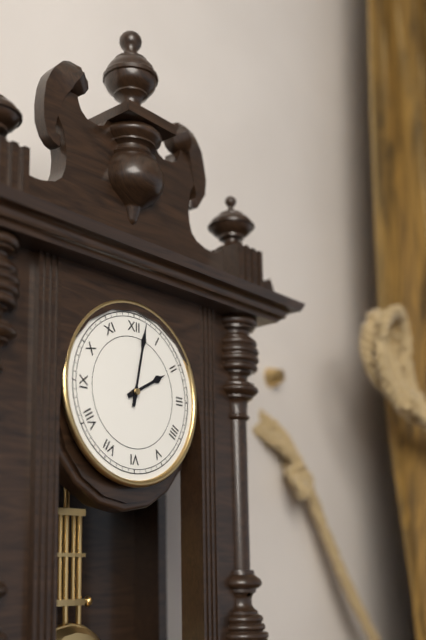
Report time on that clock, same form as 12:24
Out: 2:02
